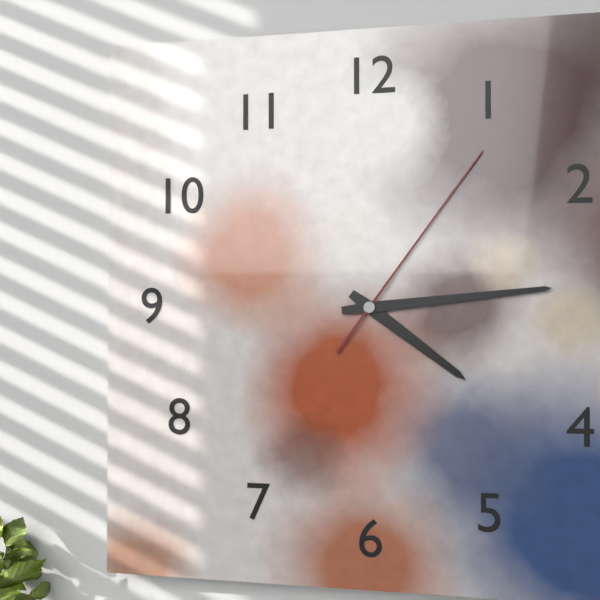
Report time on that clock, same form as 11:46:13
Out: 4:14:06
